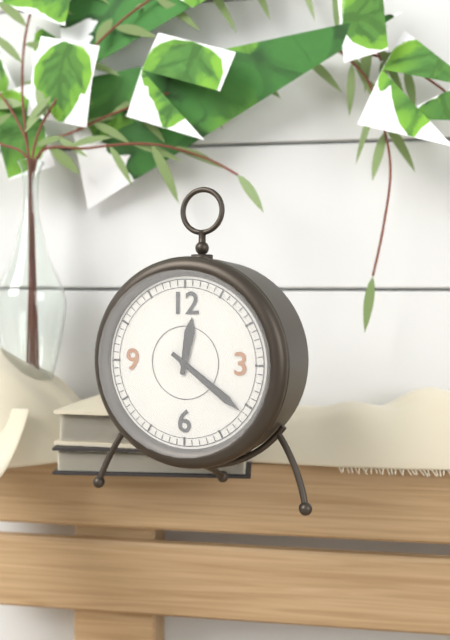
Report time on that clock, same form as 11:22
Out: 12:21
